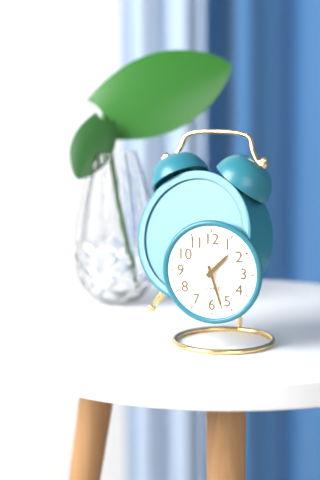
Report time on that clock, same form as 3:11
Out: 1:27
